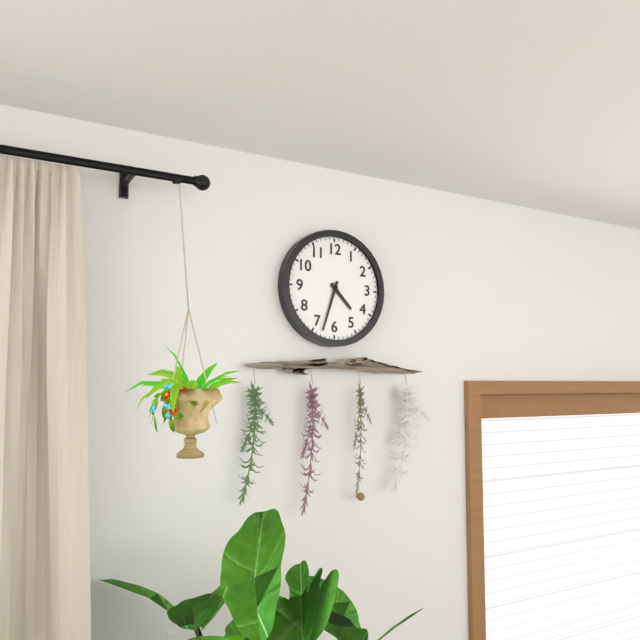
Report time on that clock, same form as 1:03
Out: 4:33
